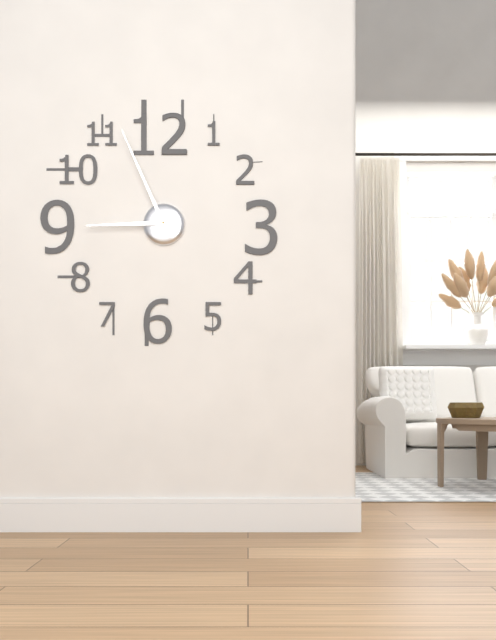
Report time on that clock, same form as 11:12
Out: 8:56
